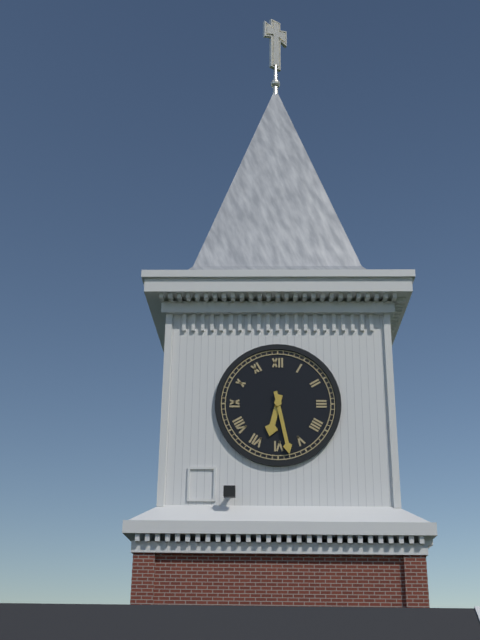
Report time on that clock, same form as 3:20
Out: 6:28
